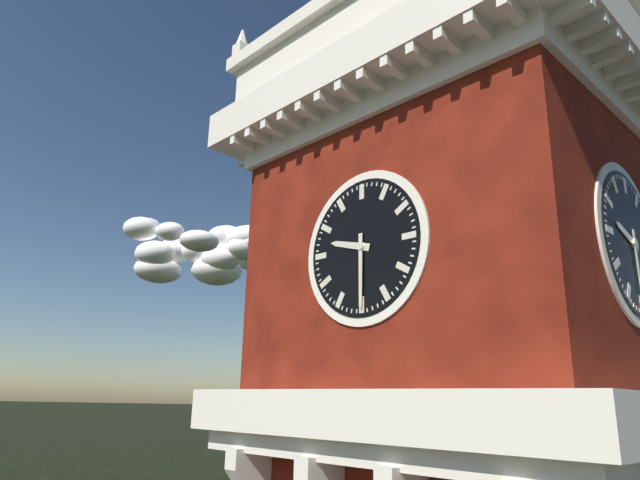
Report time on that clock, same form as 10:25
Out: 9:30
